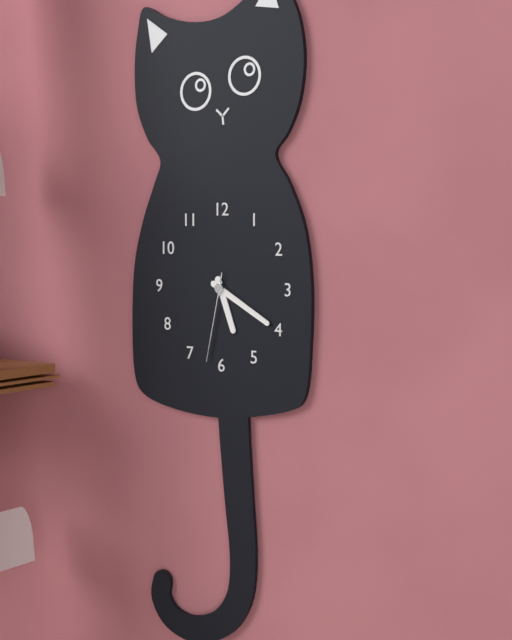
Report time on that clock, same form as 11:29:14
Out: 5:20:32
